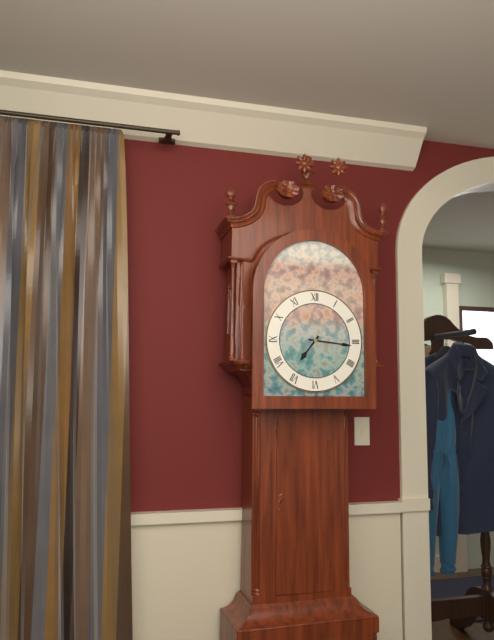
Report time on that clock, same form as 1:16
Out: 7:16
